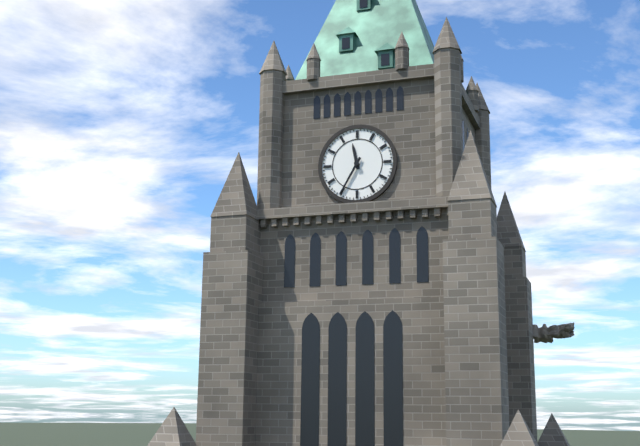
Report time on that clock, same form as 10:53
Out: 11:35
